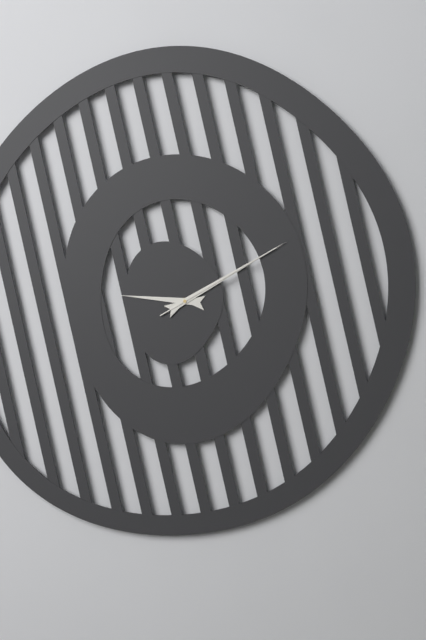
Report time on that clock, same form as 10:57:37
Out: 9:10:10
